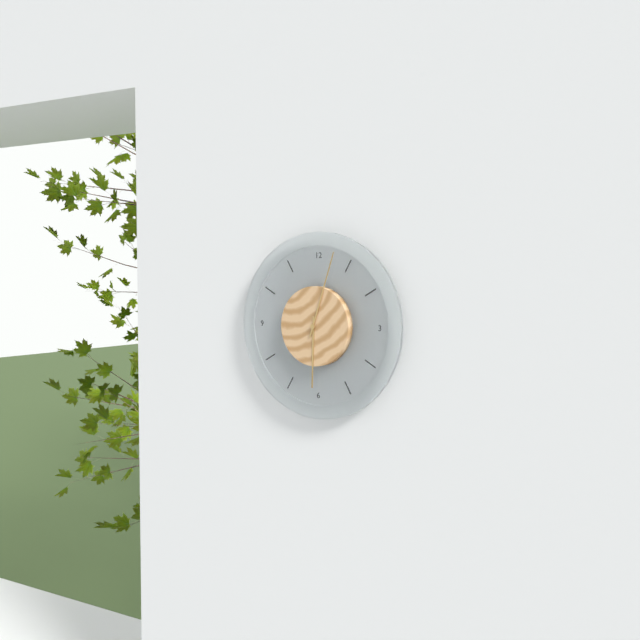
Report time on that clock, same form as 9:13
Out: 6:03
